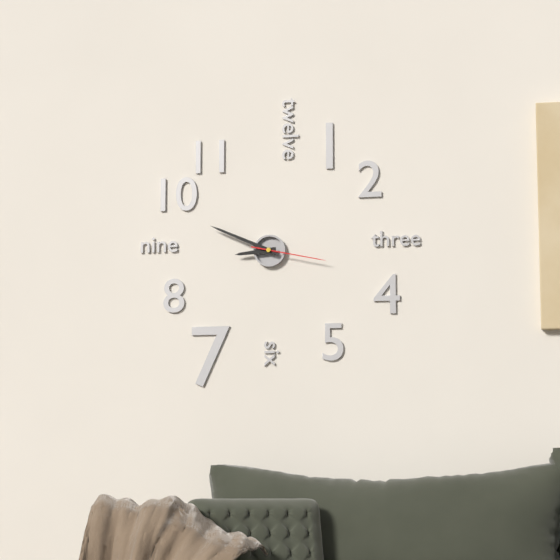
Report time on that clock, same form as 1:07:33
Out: 8:49:17
